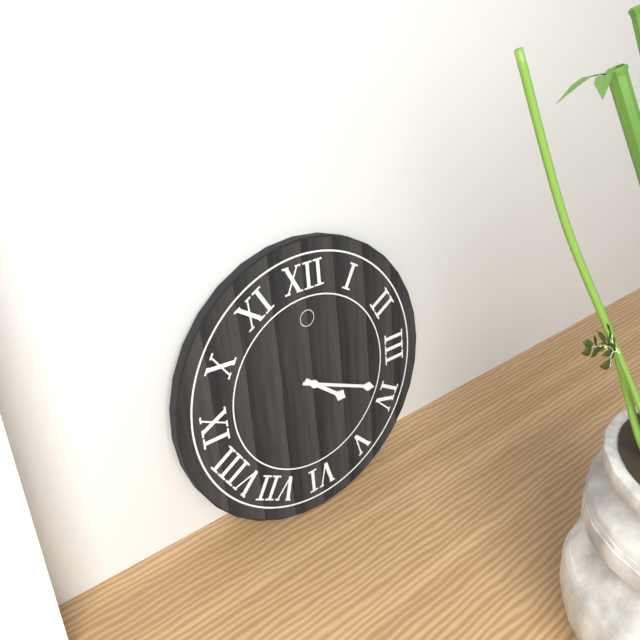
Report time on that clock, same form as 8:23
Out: 4:19
